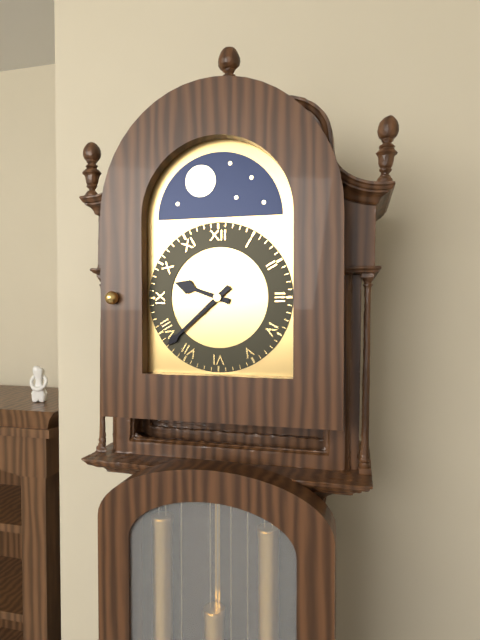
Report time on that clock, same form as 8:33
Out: 9:38
